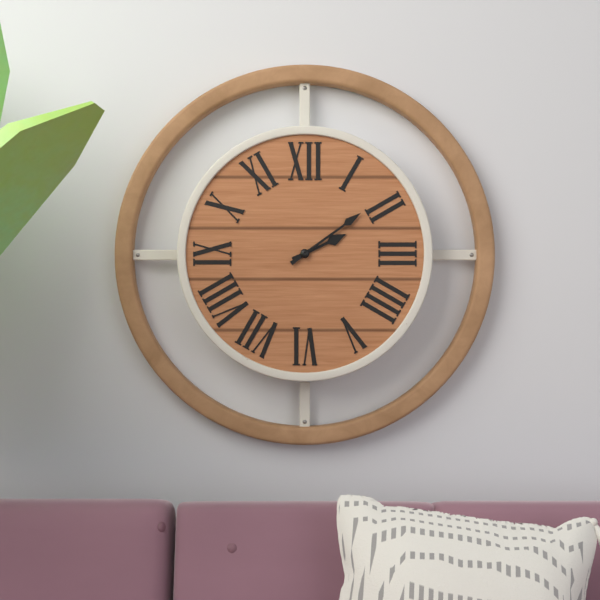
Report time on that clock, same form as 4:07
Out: 2:09
